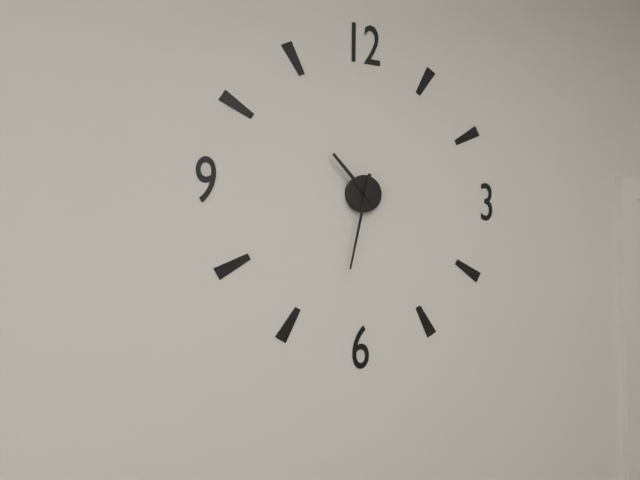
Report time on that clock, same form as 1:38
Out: 10:32
